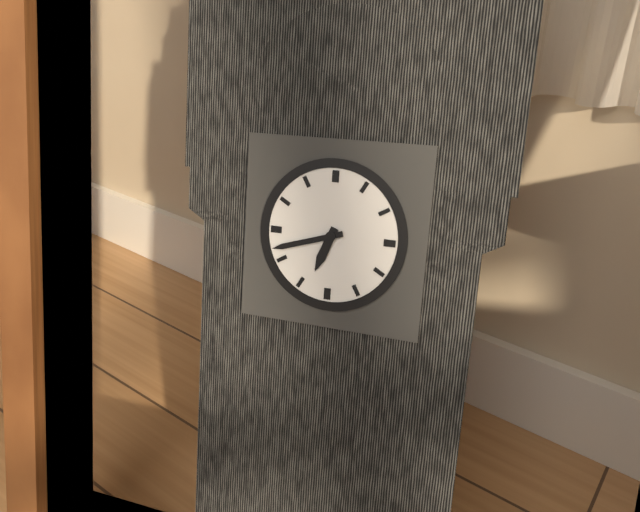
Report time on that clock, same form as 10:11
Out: 6:42
